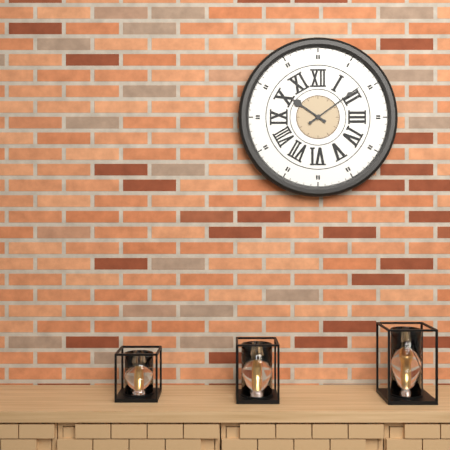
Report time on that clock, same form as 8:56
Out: 10:09
